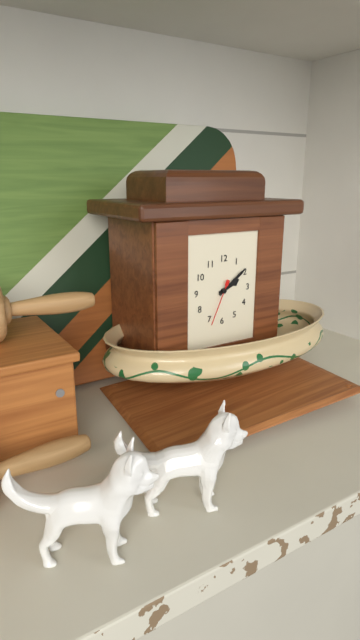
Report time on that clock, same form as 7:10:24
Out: 2:09:34
